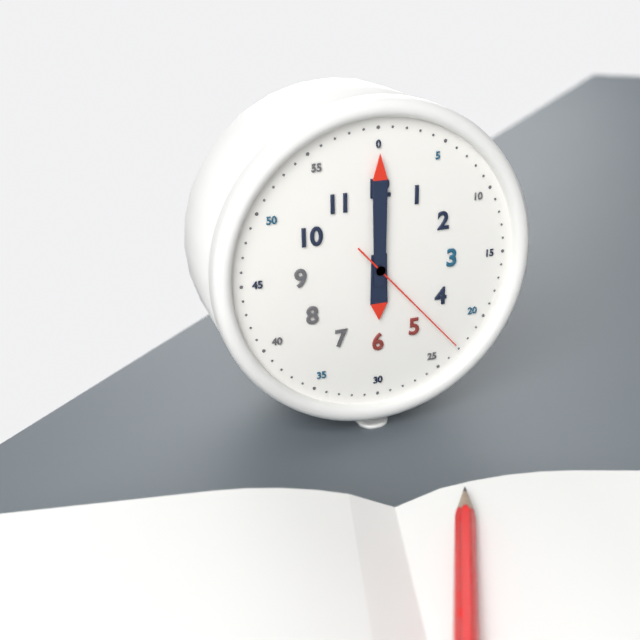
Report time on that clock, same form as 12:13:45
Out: 6:00:23
